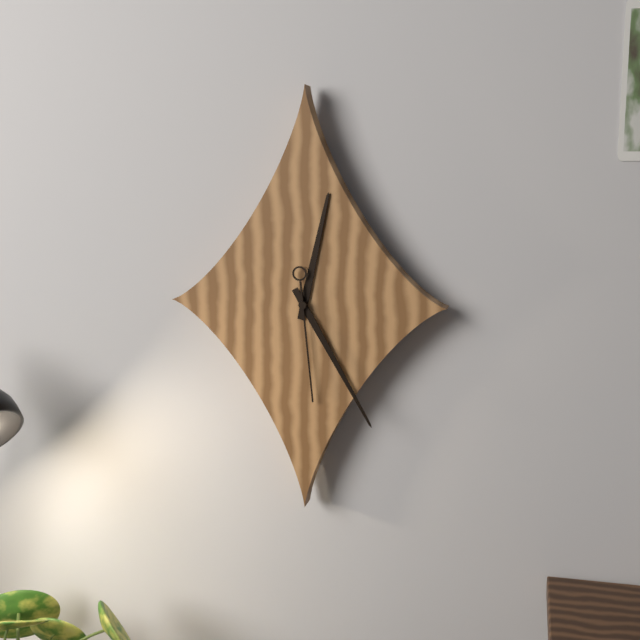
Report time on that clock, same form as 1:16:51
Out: 12:25:29
